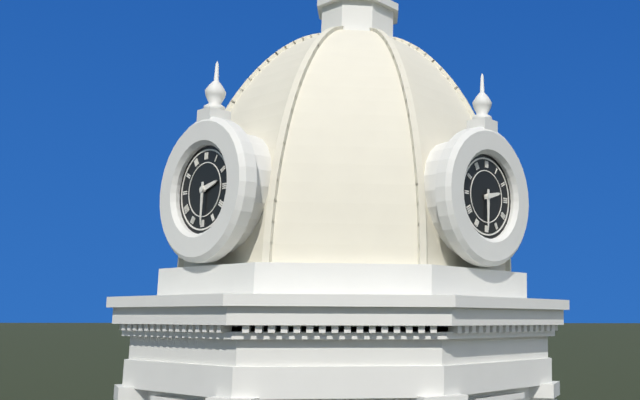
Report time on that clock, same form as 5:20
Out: 2:30
